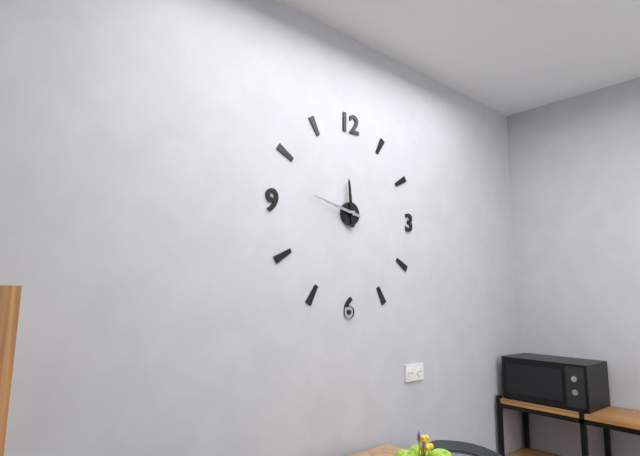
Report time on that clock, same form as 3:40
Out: 11:47
